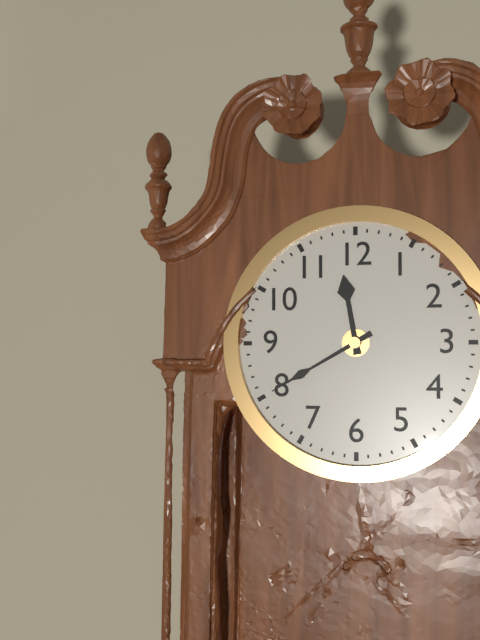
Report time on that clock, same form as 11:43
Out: 11:40
